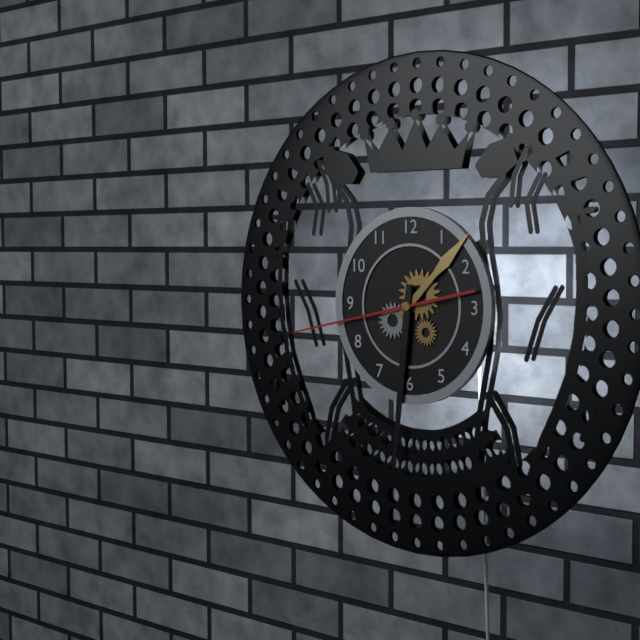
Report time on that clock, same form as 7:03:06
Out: 1:31:43
